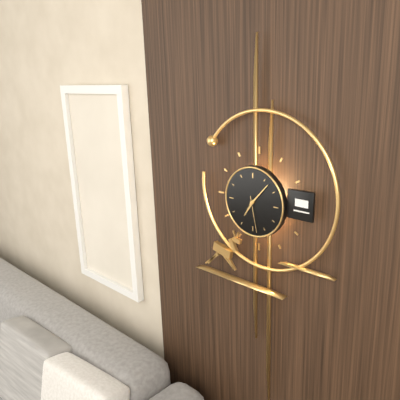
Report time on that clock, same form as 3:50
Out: 7:07
